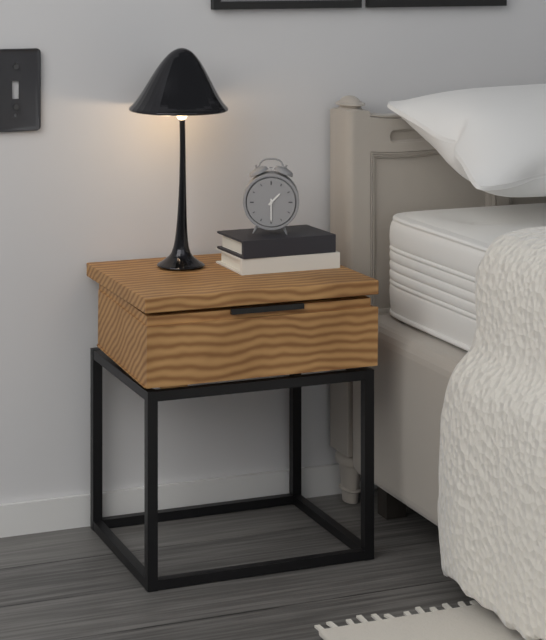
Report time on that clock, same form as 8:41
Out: 1:30
